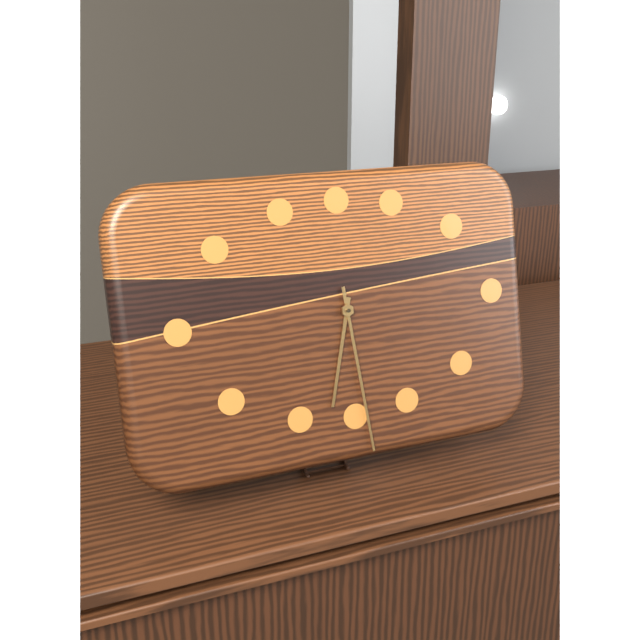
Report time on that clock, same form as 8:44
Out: 6:29
